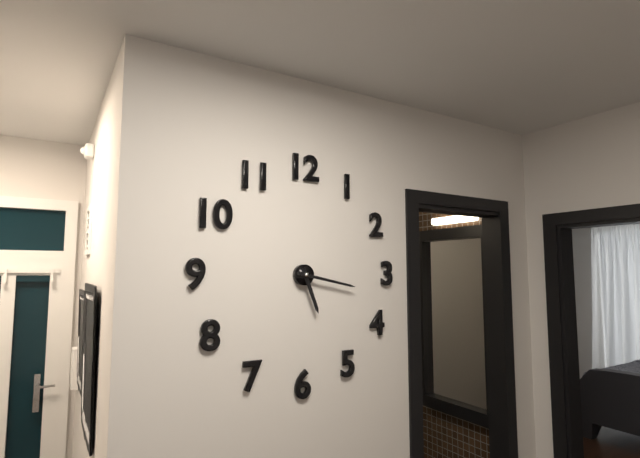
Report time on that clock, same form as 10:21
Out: 5:17
